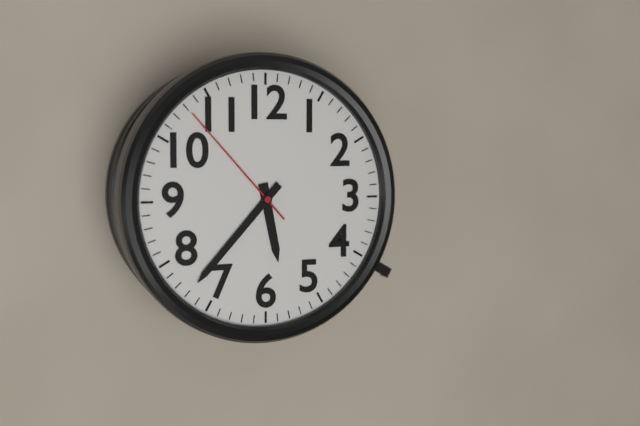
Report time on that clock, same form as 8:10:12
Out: 5:37:53
